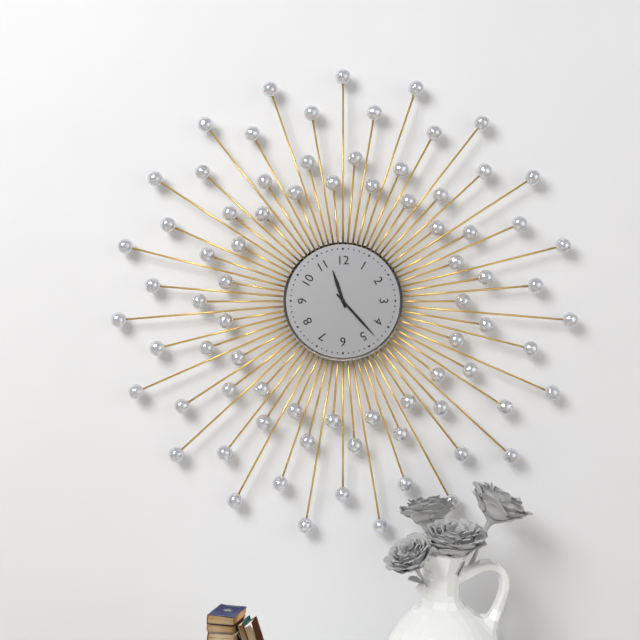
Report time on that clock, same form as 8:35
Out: 11:23
